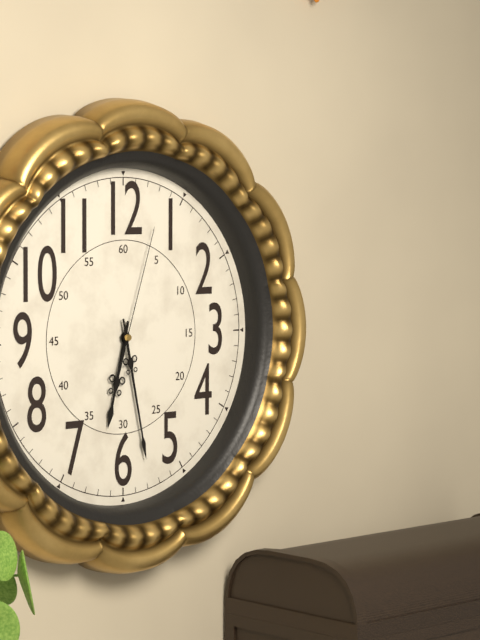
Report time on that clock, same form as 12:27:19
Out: 6:28:03
